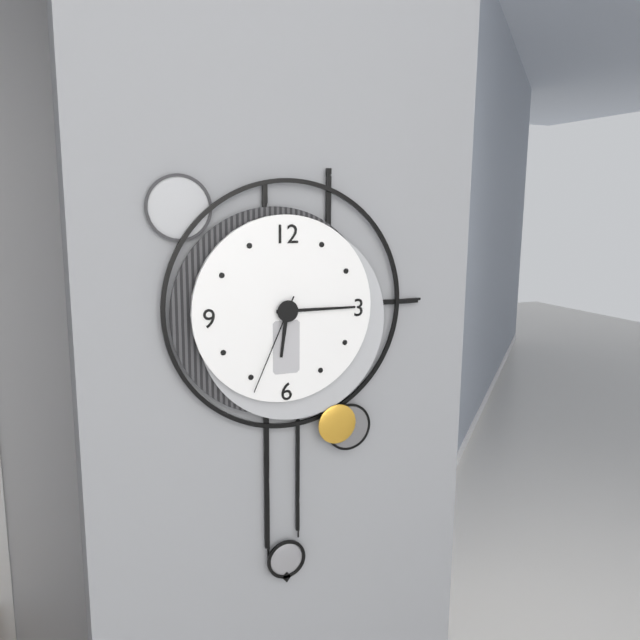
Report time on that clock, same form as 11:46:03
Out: 6:15:34
